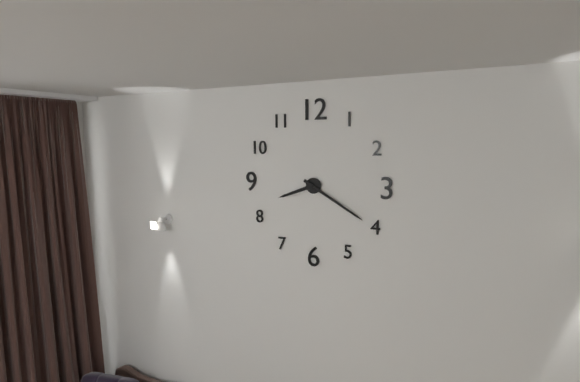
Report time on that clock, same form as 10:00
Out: 8:20
